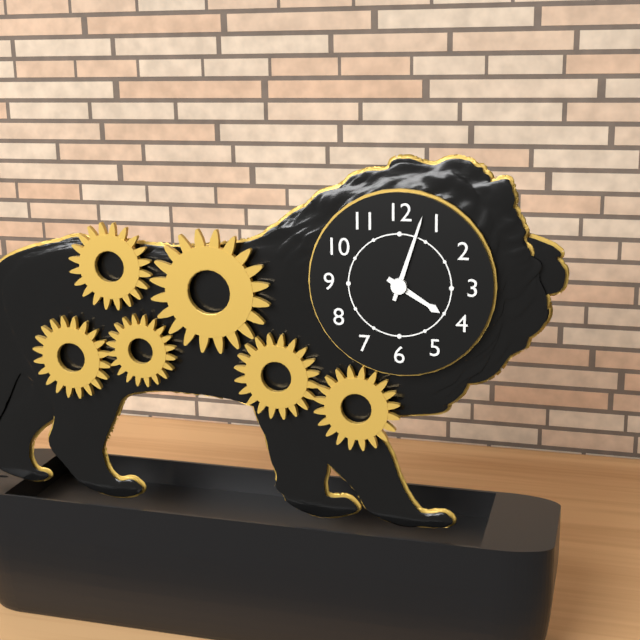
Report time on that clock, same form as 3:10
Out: 4:03
